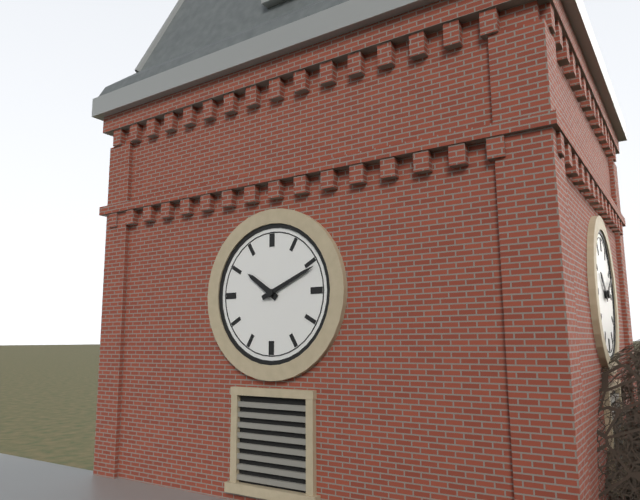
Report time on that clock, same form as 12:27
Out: 10:11
